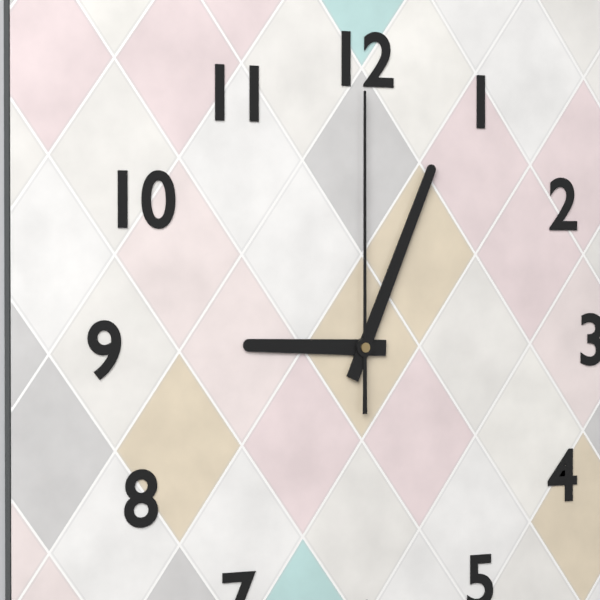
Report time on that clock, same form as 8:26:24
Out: 9:04:00
